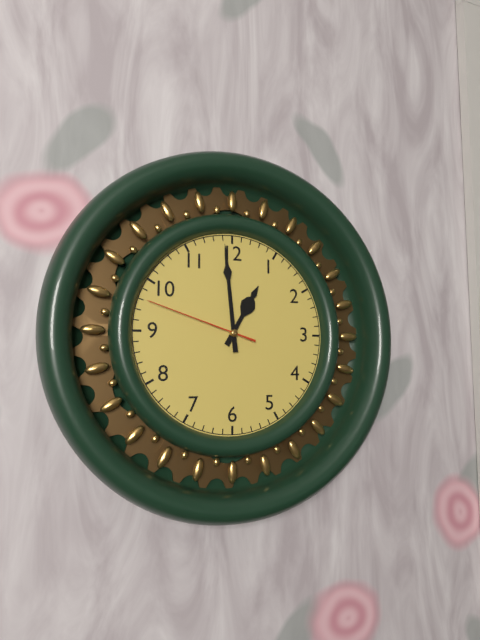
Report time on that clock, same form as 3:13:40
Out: 12:59:48
